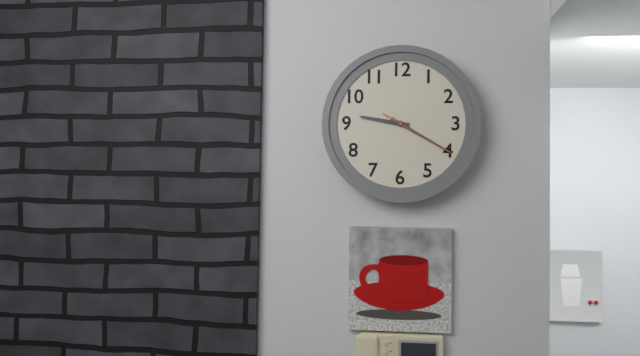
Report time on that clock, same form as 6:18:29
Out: 9:20:20
